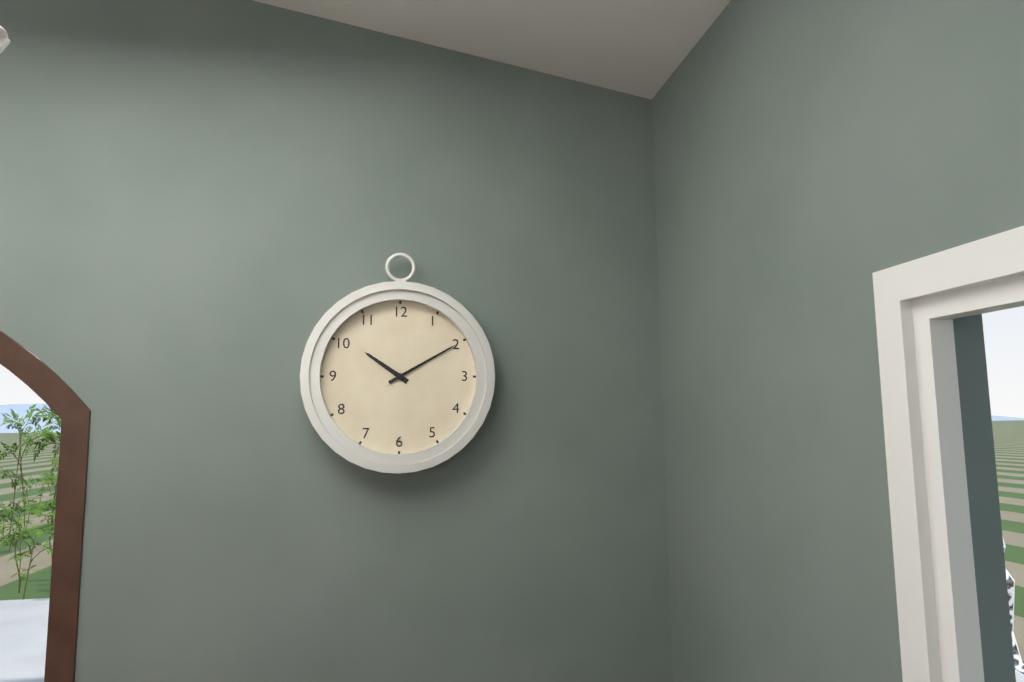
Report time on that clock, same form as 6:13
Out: 10:10
